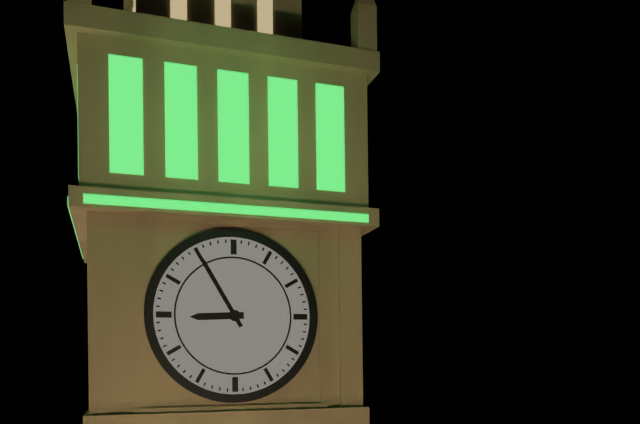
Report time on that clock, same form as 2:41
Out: 8:55
